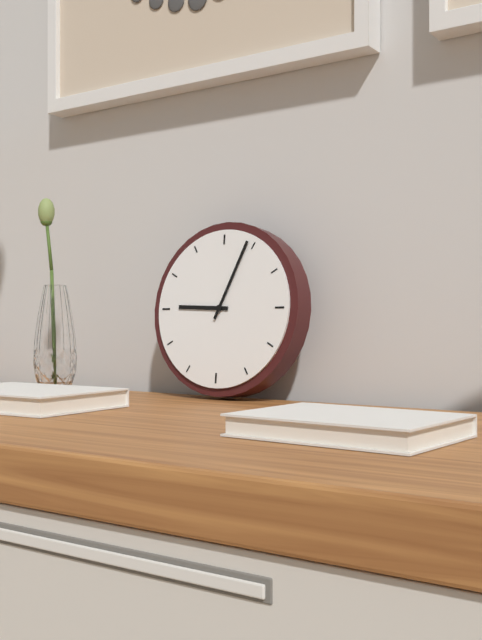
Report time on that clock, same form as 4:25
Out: 9:04
